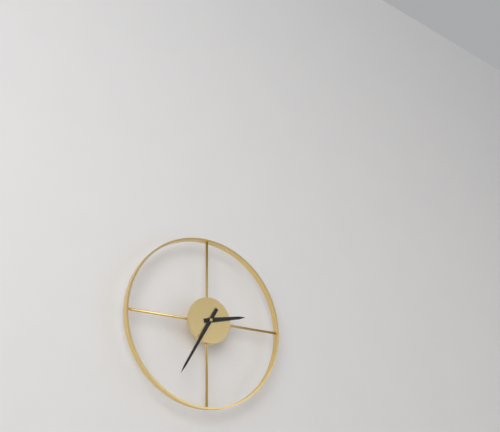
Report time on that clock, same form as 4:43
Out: 2:35
